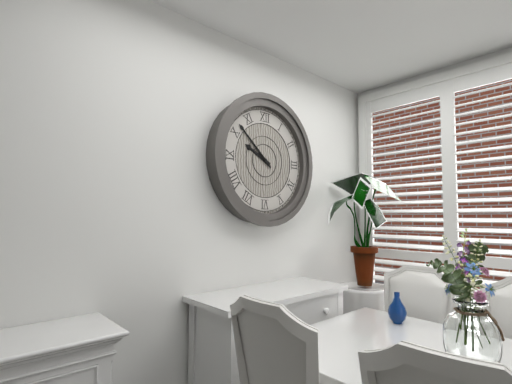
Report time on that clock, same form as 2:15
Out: 9:52
